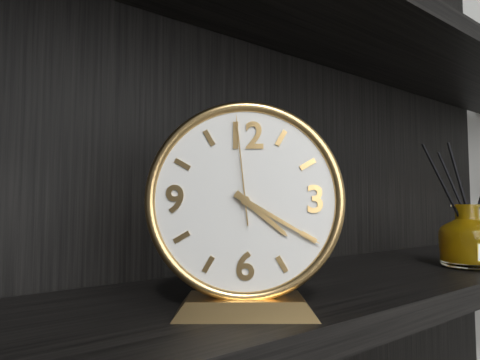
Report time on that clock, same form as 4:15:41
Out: 4:20:59
